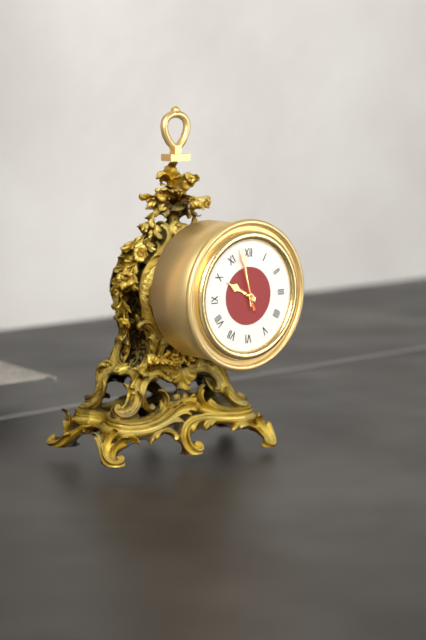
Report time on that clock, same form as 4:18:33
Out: 9:58:57
